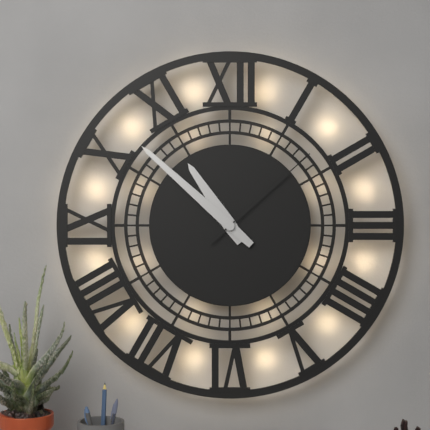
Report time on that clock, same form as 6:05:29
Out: 10:52:08
